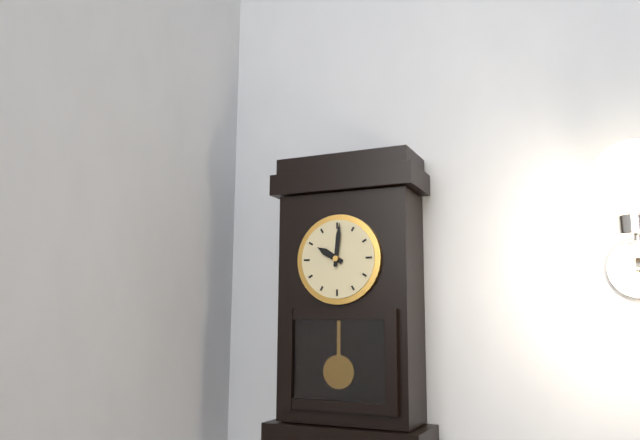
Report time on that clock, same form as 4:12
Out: 10:01
